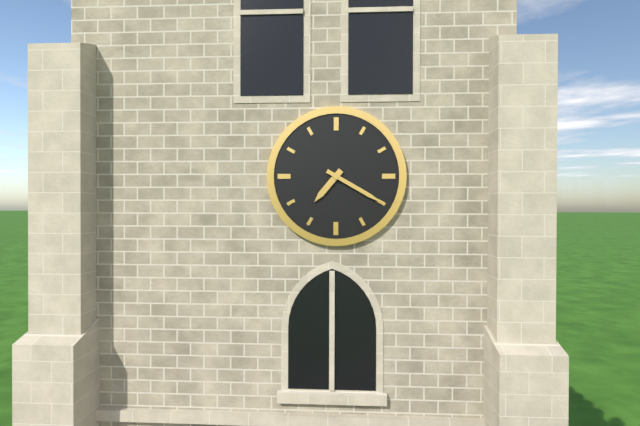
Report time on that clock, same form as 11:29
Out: 7:20
